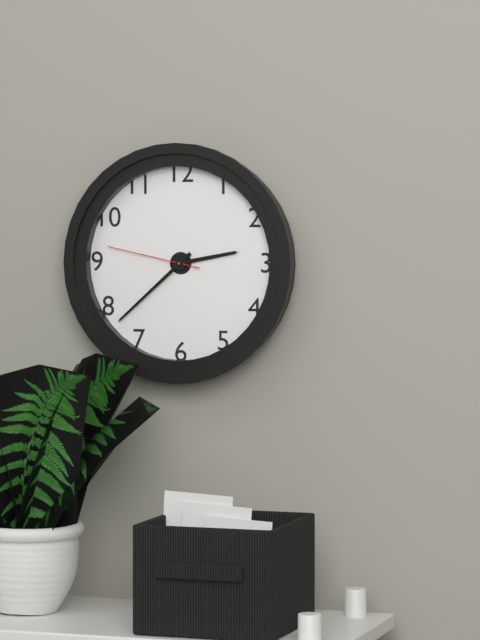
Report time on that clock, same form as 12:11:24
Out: 2:38:47
